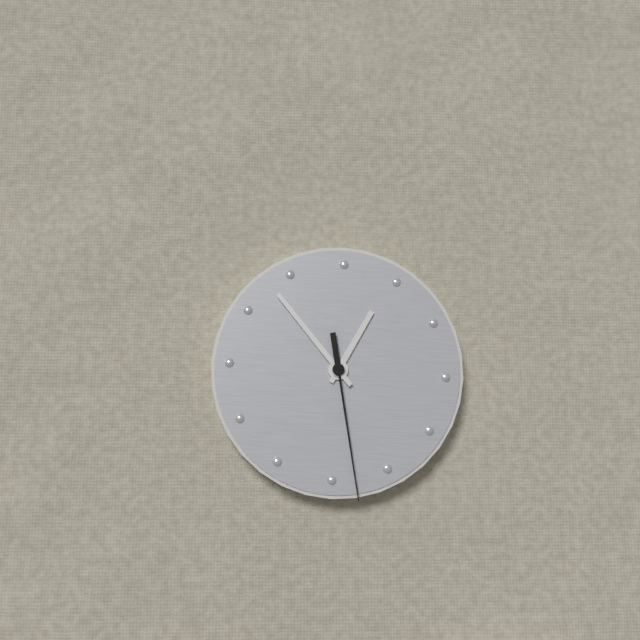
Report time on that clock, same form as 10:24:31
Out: 12:53:28
